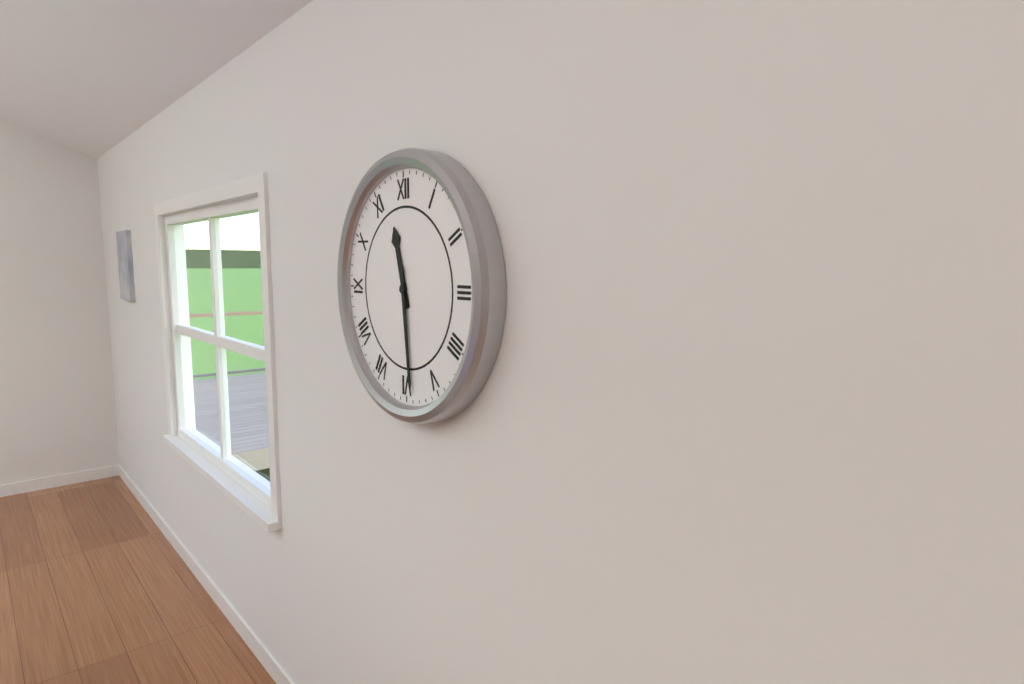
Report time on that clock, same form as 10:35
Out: 11:29
